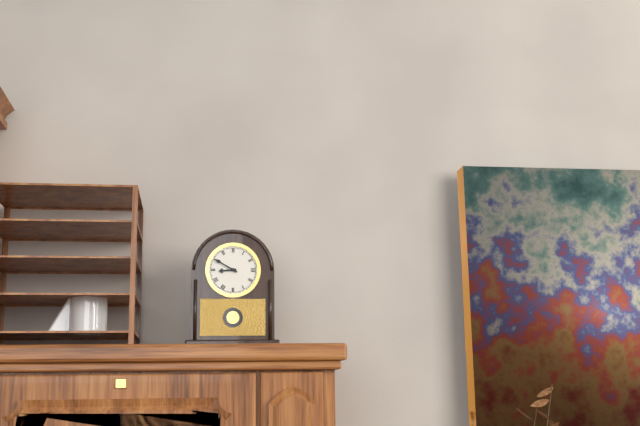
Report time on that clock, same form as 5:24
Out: 8:50
